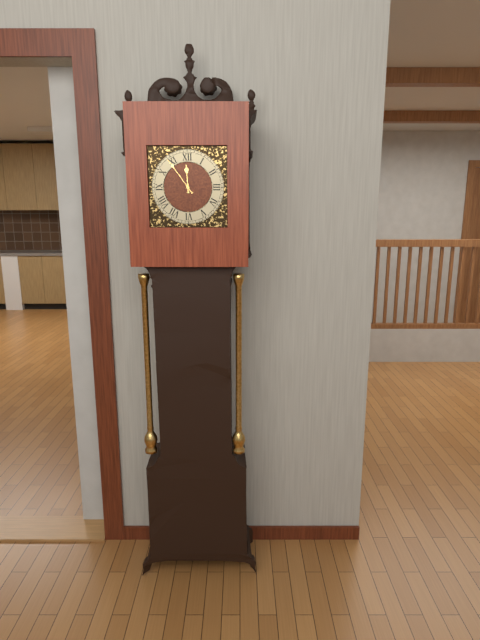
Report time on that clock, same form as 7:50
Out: 11:54
